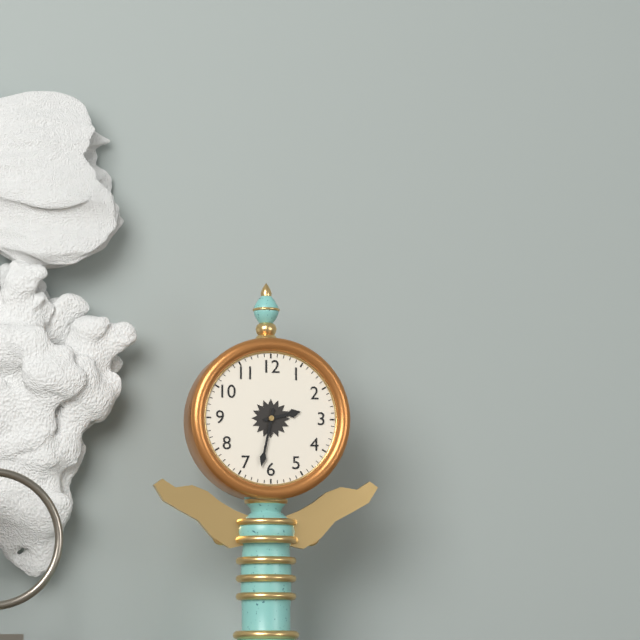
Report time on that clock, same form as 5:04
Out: 2:32
